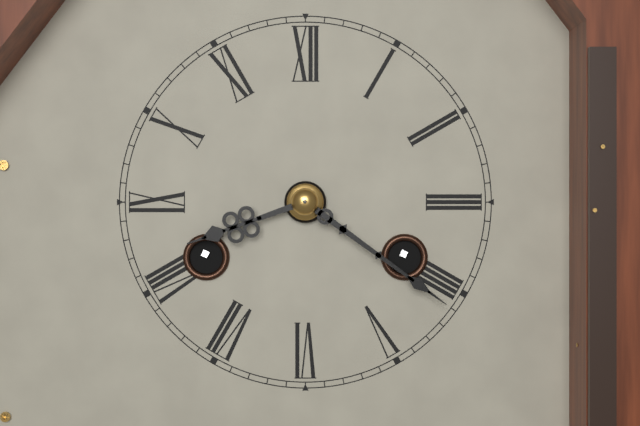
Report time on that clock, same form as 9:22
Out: 8:21
